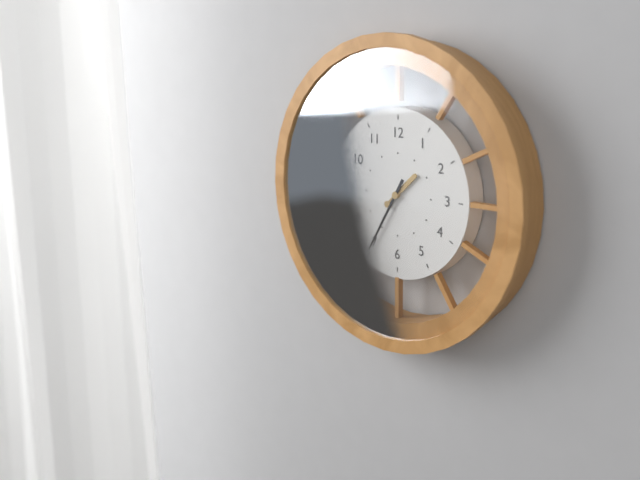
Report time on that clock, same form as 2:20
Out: 1:35
